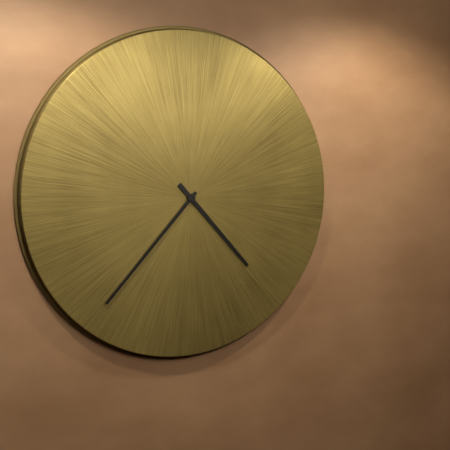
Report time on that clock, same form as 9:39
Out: 4:37
